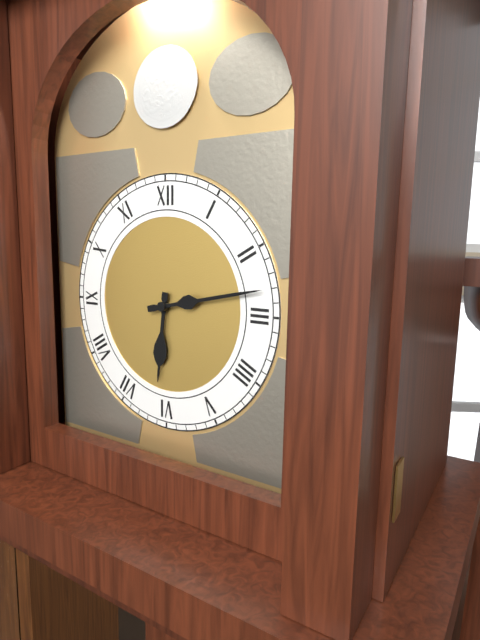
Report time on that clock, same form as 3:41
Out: 6:13
